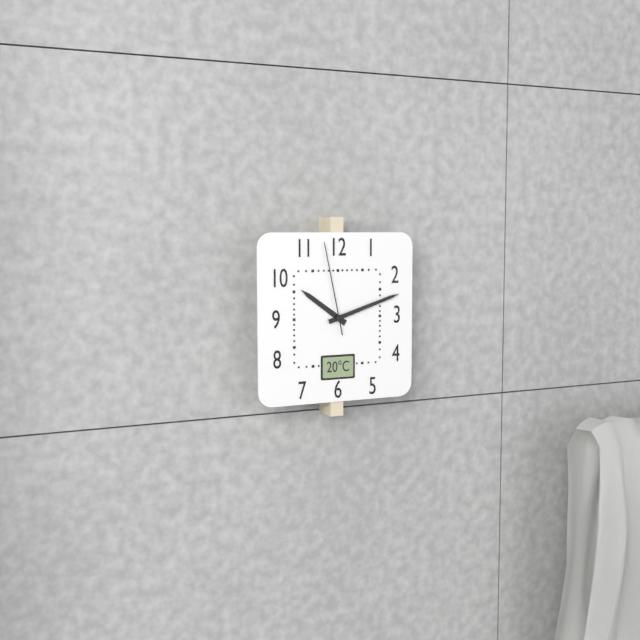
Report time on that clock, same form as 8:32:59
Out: 10:12:58
